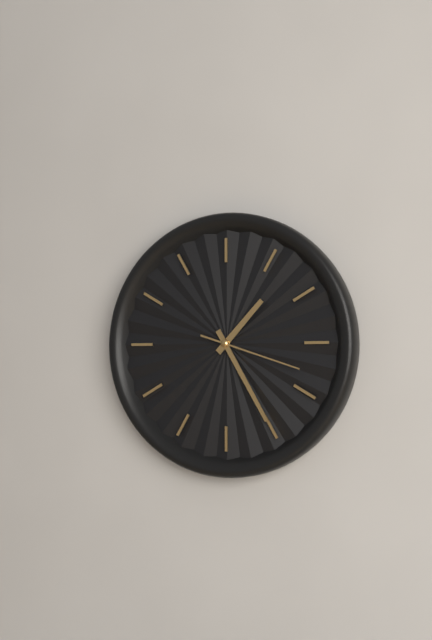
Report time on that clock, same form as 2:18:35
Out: 1:25:18
